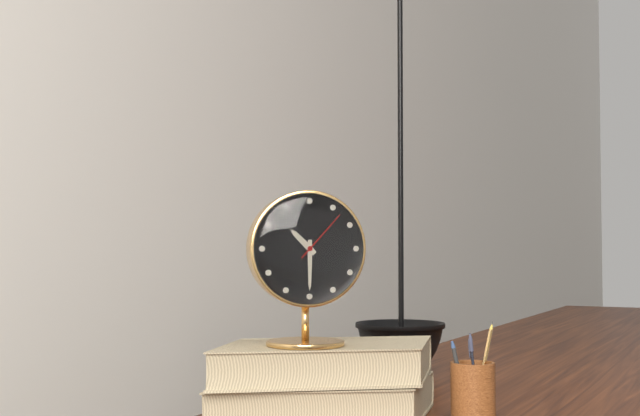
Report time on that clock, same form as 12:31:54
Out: 10:30:07
